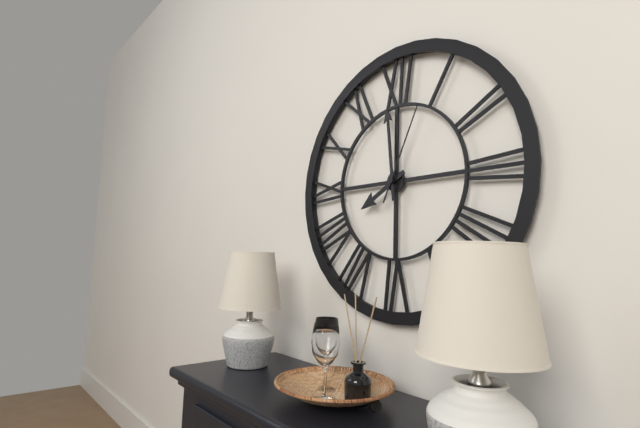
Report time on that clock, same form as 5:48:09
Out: 7:59:04
